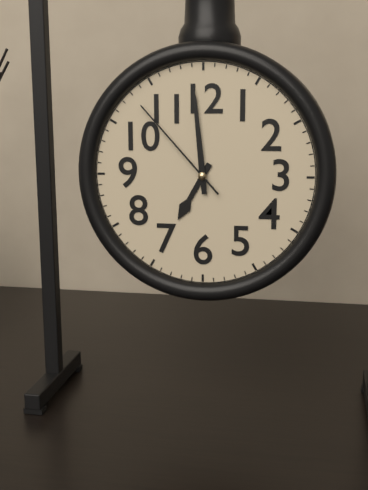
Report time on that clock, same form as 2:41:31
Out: 6:59:53
